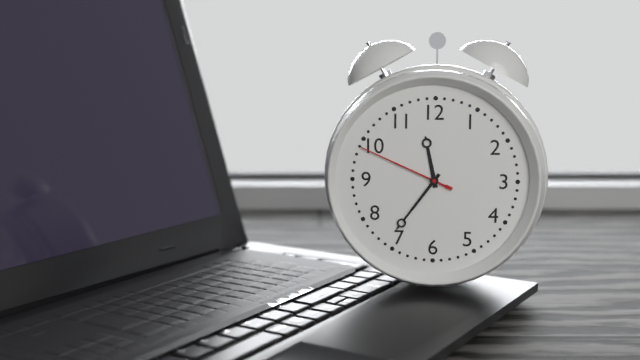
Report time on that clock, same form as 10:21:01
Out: 11:36:49
